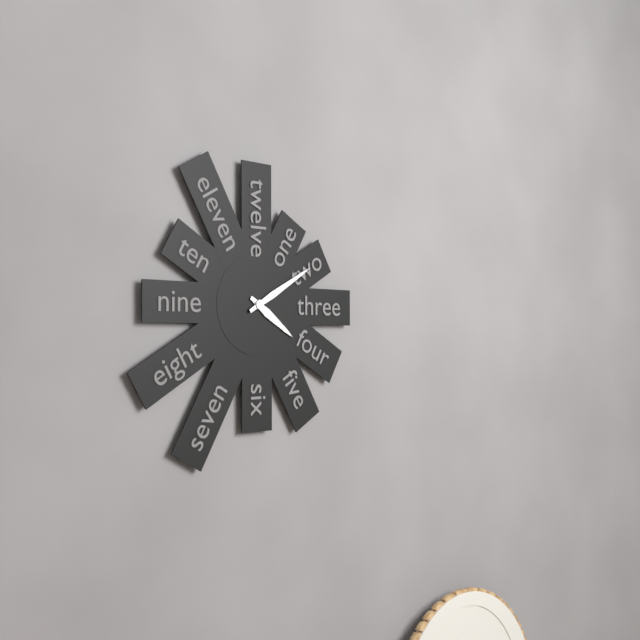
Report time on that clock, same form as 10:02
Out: 4:10
